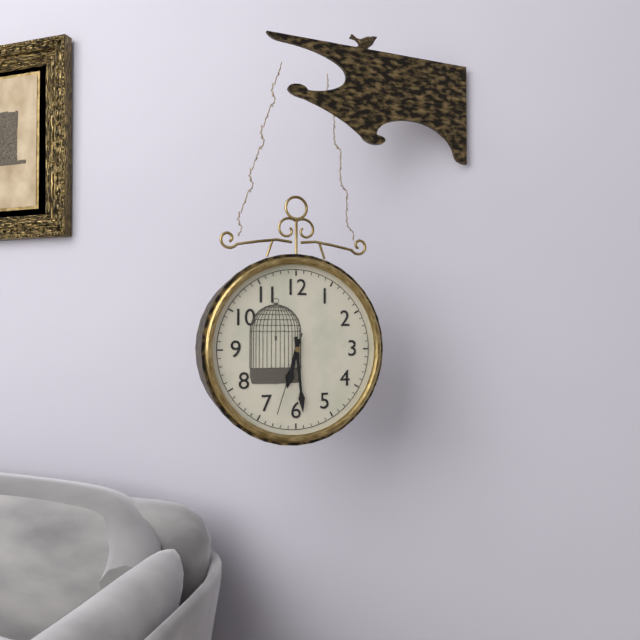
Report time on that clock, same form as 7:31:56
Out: 6:29:33
